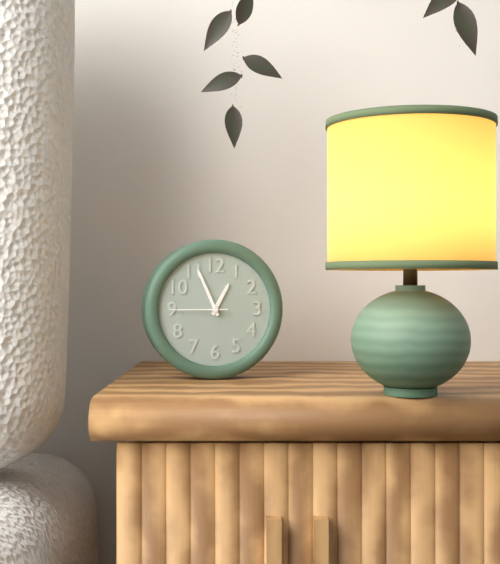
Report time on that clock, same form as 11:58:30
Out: 12:56:45
